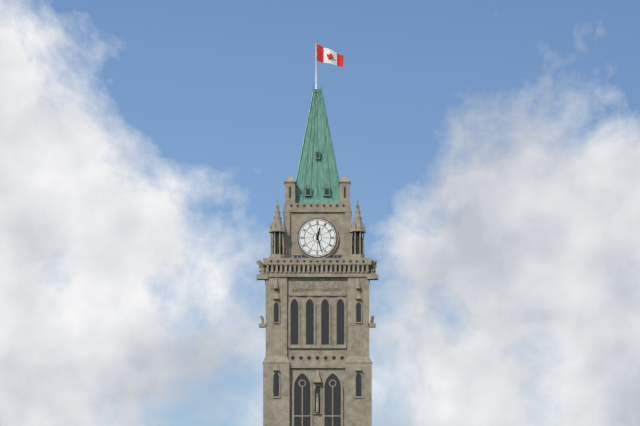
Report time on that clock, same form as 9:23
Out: 12:27
